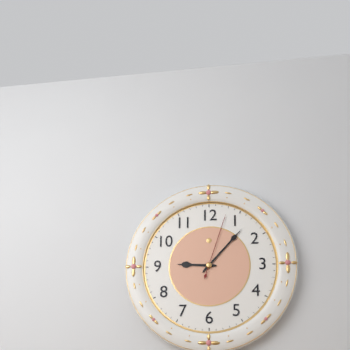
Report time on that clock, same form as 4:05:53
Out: 9:07:03
